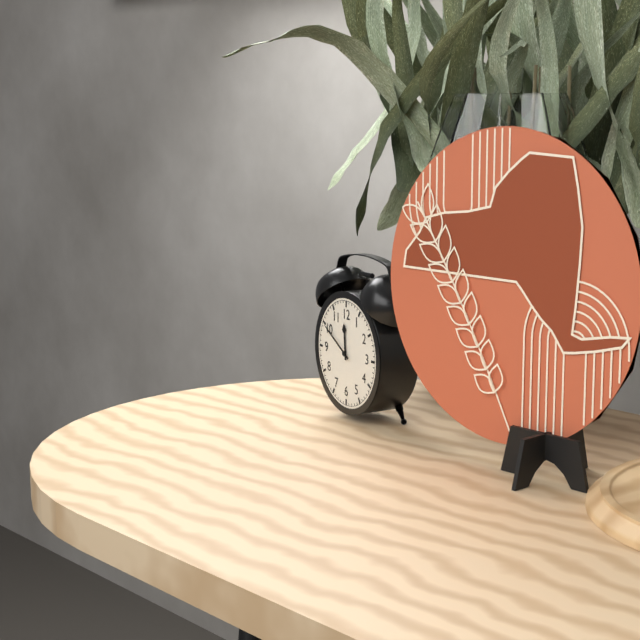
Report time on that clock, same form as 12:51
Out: 11:50
